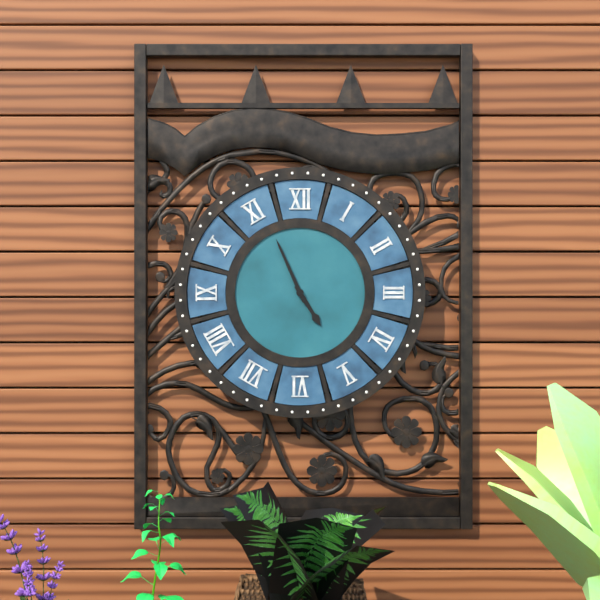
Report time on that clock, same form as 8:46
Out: 4:56
